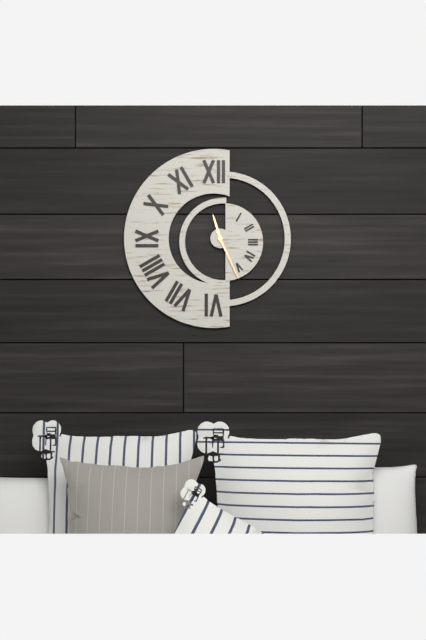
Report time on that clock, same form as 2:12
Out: 11:26
